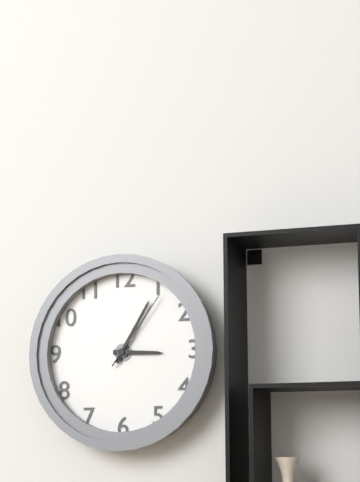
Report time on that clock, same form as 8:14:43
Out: 3:05:06
